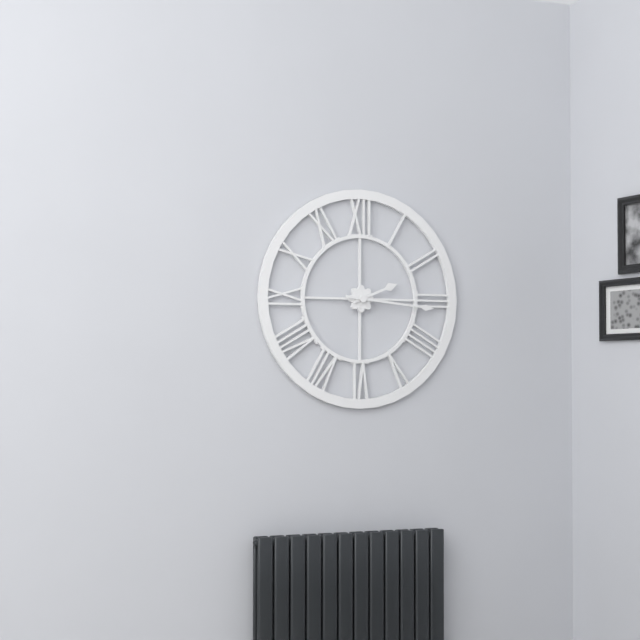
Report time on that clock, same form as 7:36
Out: 2:16
